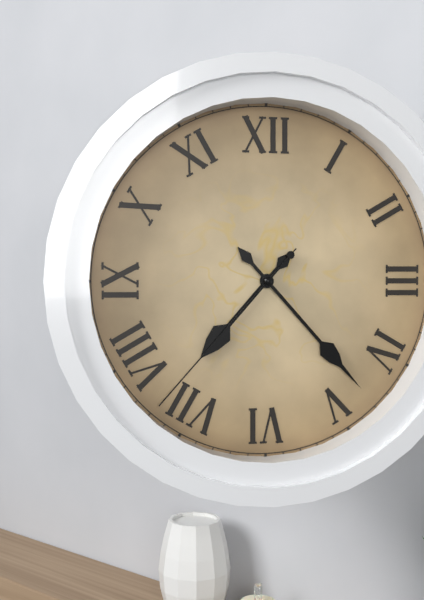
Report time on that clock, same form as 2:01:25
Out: 7:23:37
